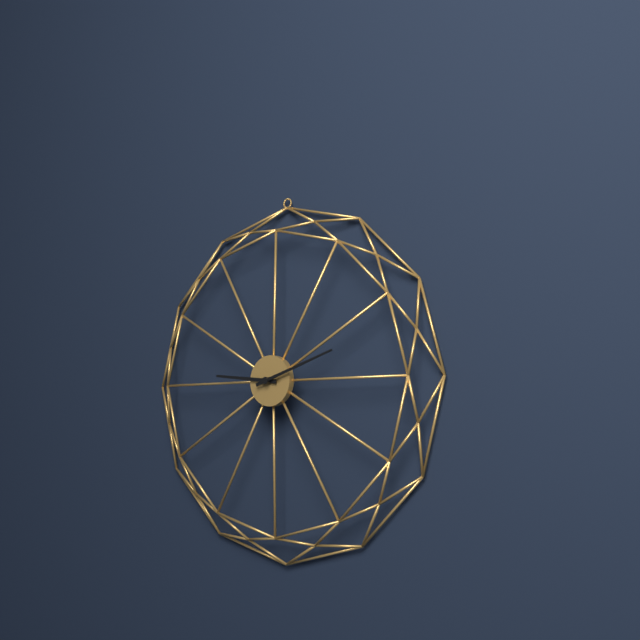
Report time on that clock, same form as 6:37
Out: 9:12
